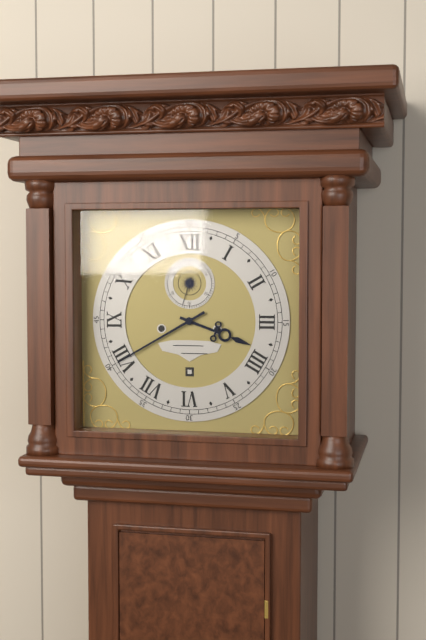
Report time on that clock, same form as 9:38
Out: 3:40
